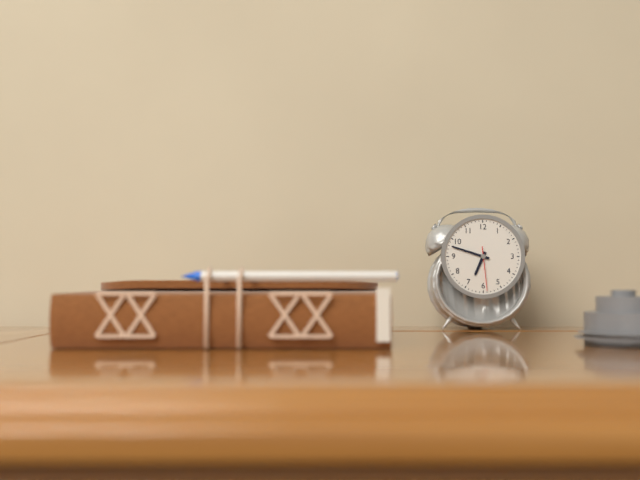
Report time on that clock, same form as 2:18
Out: 6:48
